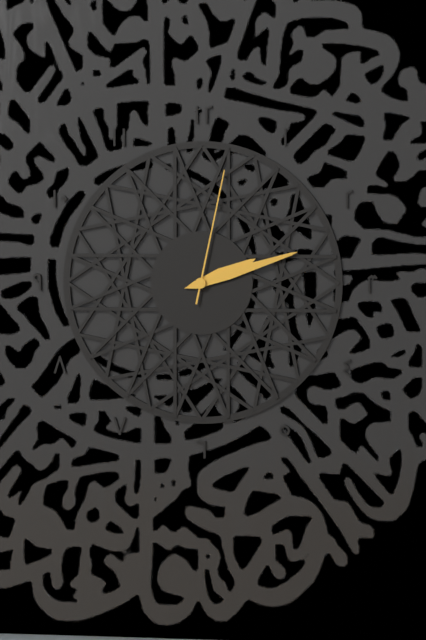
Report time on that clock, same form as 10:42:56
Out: 2:12:02
